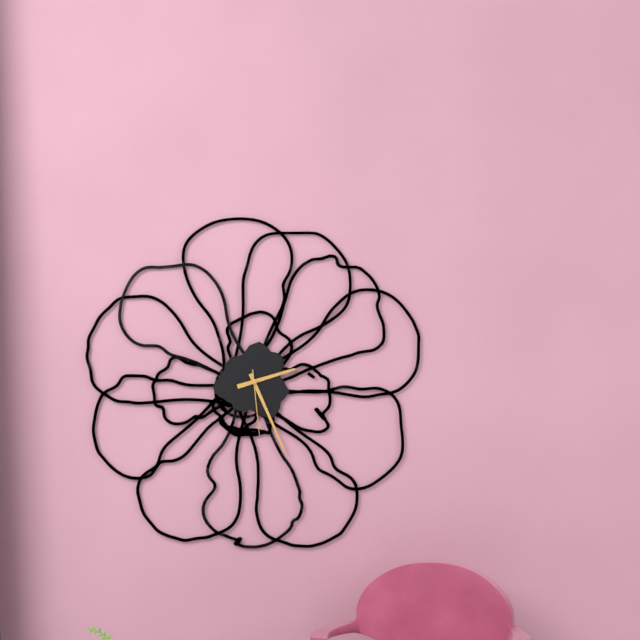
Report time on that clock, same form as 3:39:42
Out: 2:26:29
